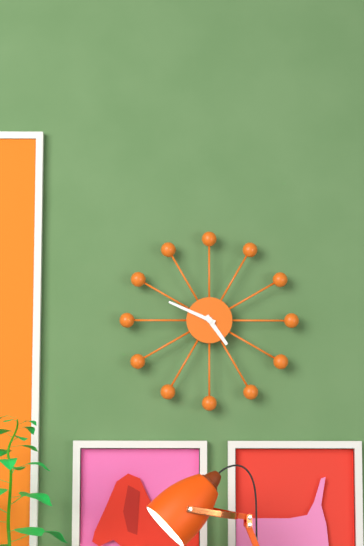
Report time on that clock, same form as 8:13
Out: 4:49
